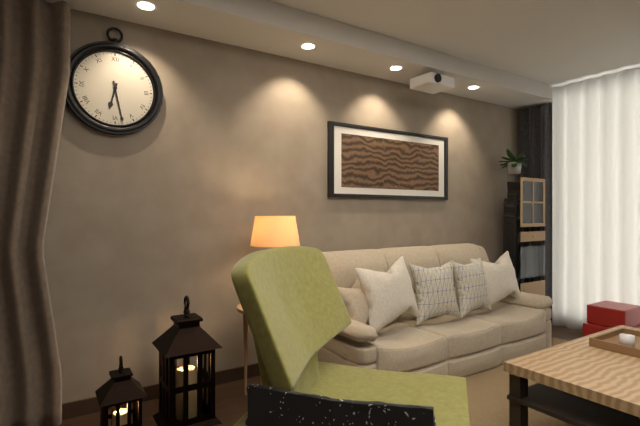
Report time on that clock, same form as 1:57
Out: 6:28
